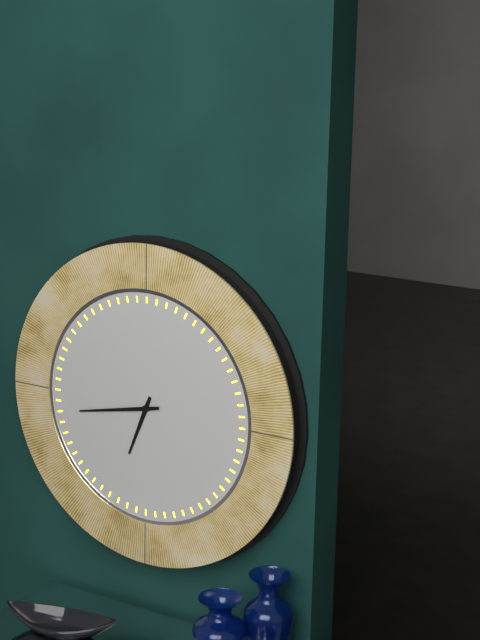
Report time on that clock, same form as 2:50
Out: 6:43
